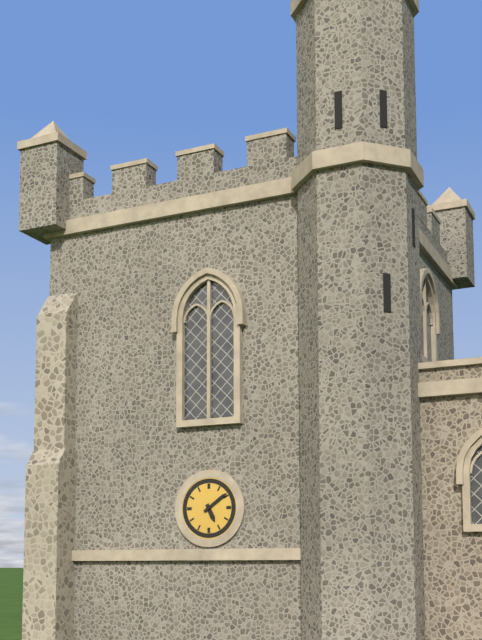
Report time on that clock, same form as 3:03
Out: 5:09
